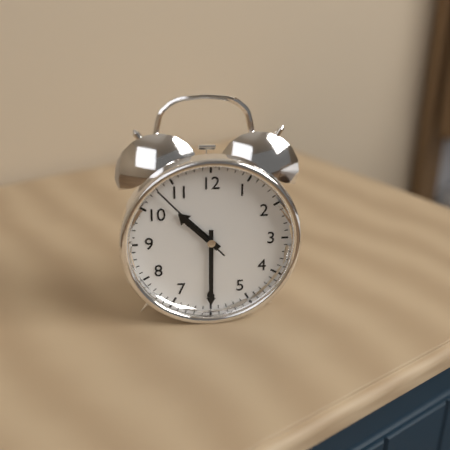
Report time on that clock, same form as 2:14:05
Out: 10:30:53
